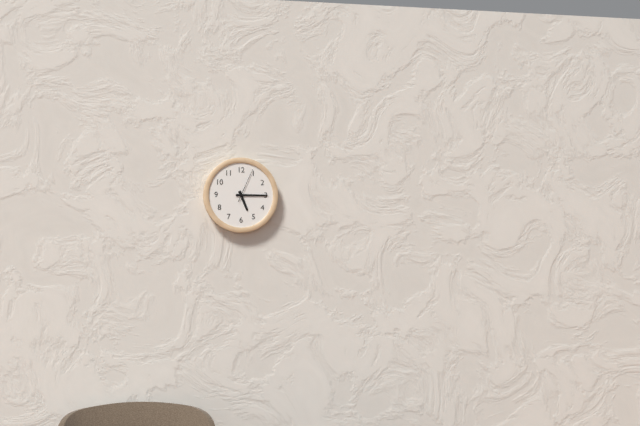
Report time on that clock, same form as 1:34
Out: 5:15
